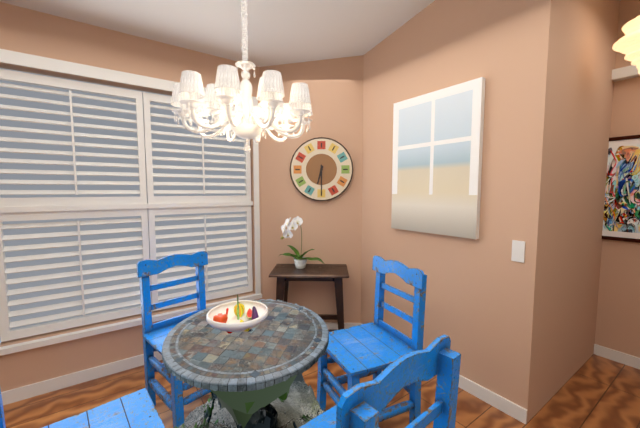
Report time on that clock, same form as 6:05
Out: 6:30
